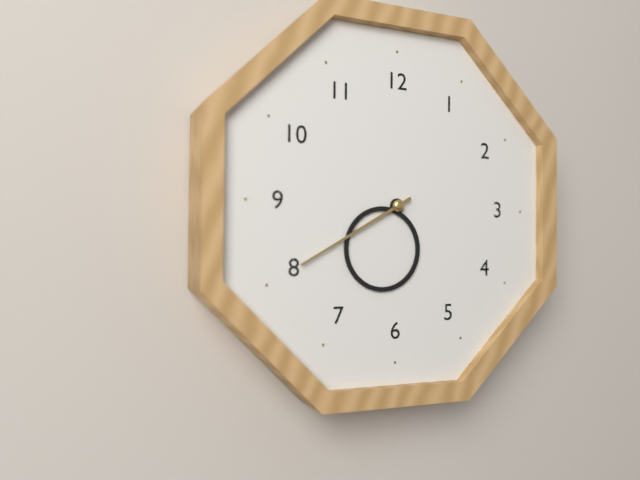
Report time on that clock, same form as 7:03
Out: 6:40
